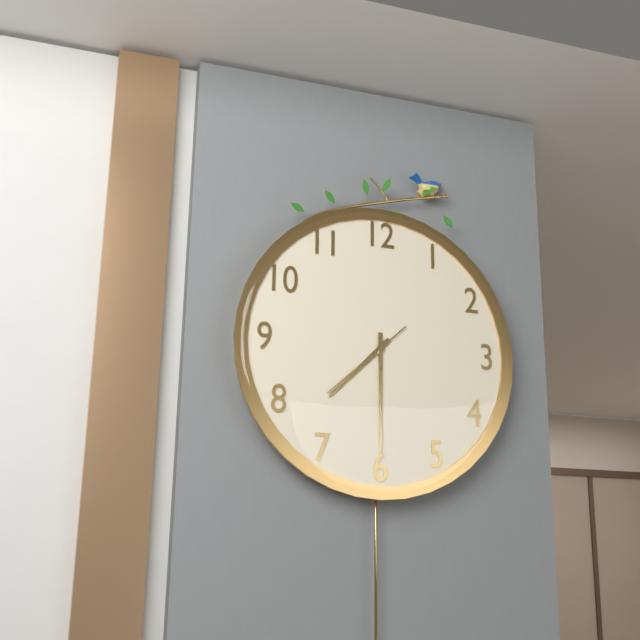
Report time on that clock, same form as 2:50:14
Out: 7:30:38
